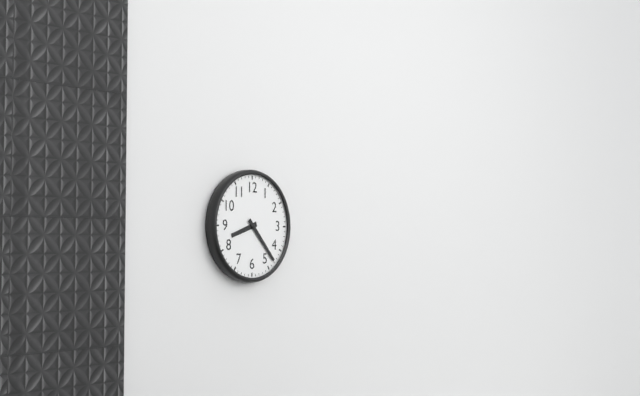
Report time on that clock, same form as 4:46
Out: 8:23
